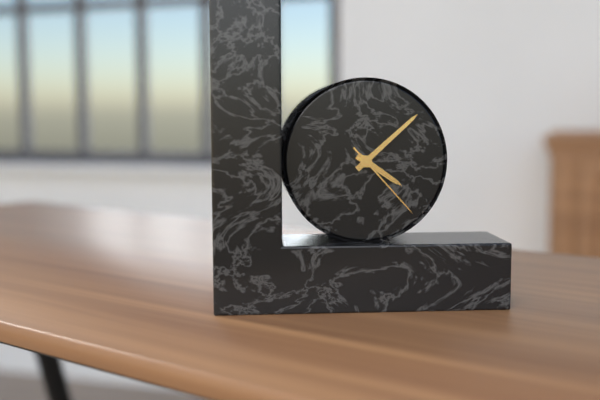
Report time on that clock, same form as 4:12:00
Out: 4:08:23
